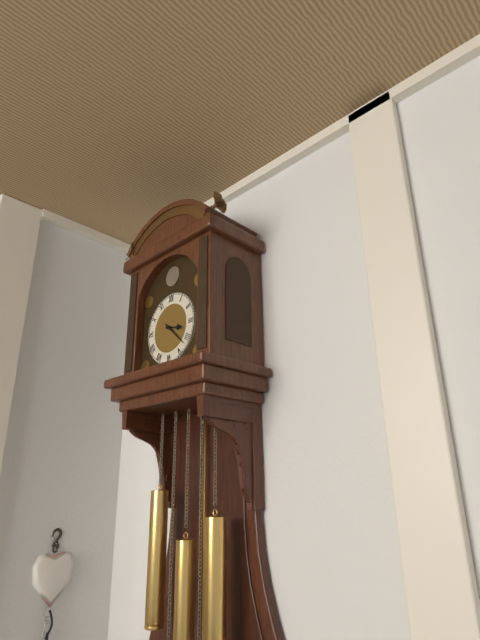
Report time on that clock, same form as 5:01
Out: 3:22
